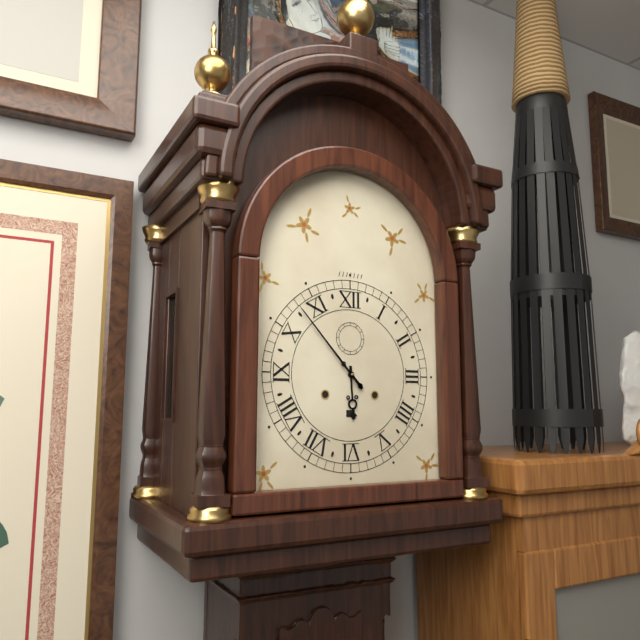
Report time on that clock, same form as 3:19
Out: 5:53
